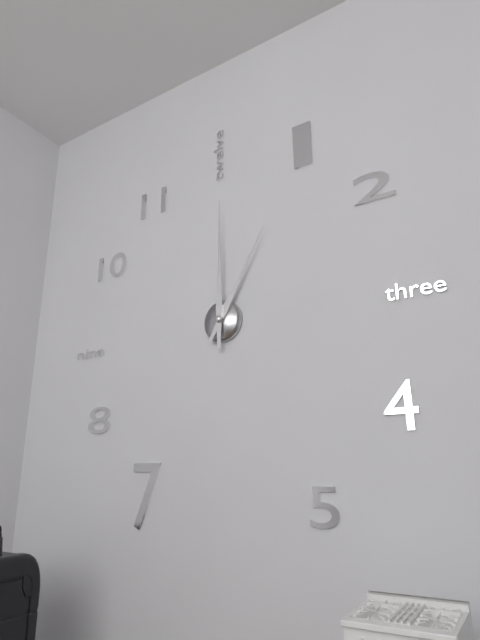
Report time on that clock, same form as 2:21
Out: 1:00
